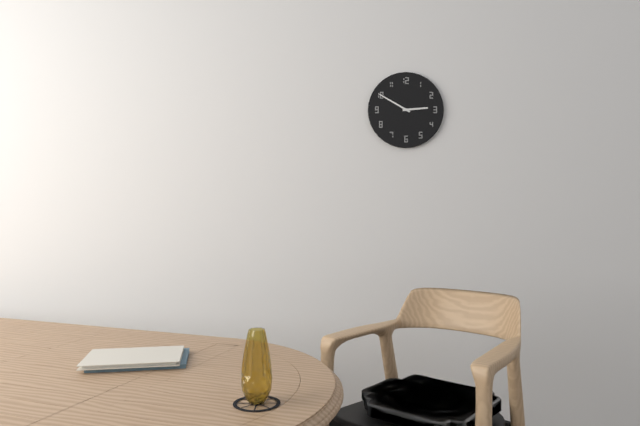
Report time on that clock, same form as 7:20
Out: 2:50
